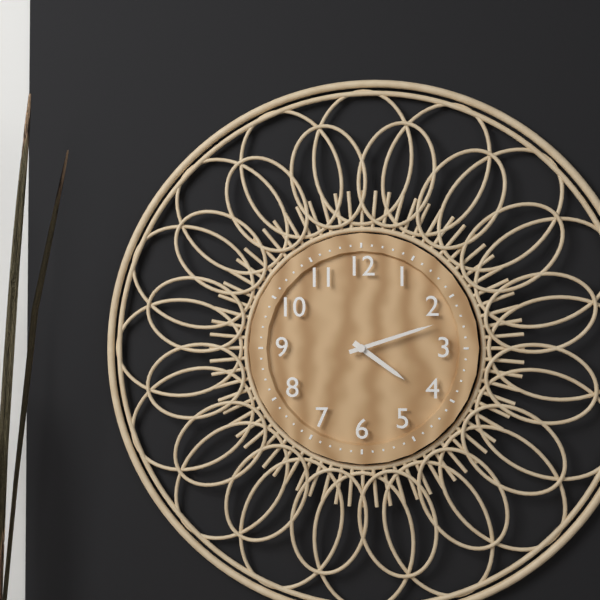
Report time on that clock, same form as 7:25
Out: 4:12
